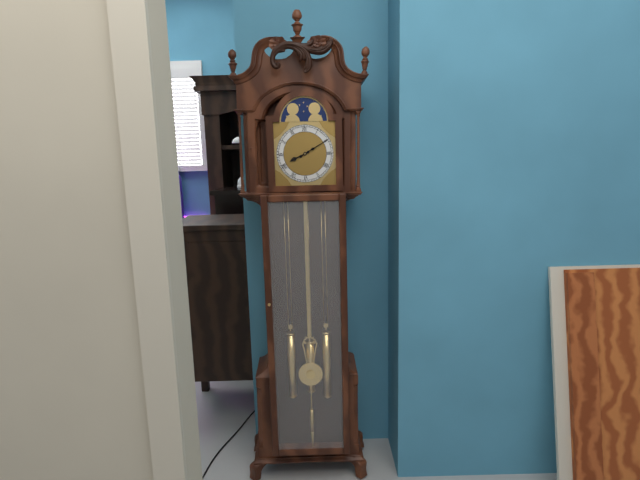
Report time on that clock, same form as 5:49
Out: 8:10
